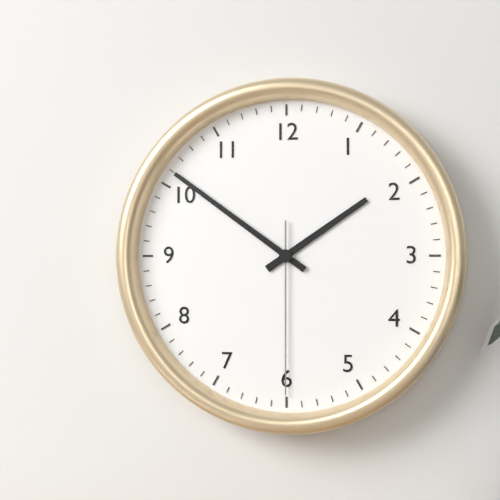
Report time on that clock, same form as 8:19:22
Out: 1:51:30
